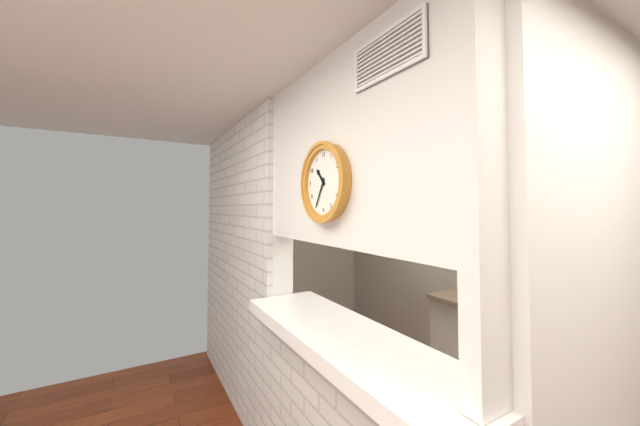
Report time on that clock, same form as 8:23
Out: 10:35
